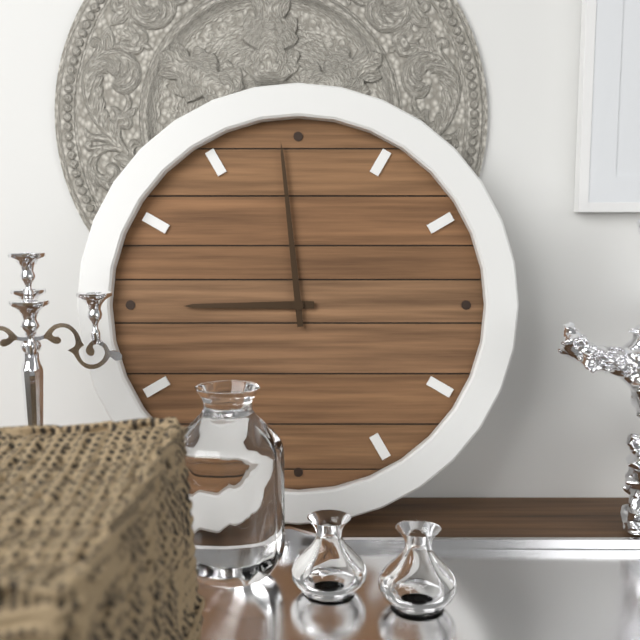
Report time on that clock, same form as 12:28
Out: 8:59
